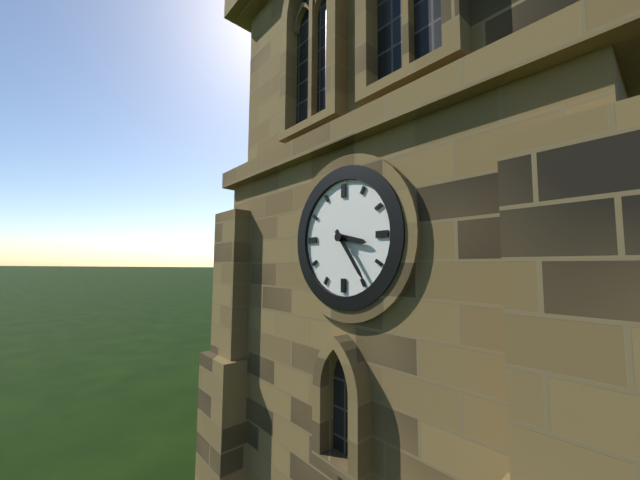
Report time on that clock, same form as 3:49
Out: 3:24
